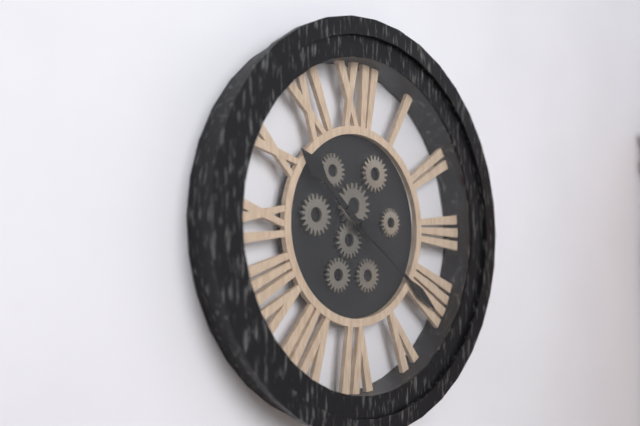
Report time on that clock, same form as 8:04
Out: 10:21
